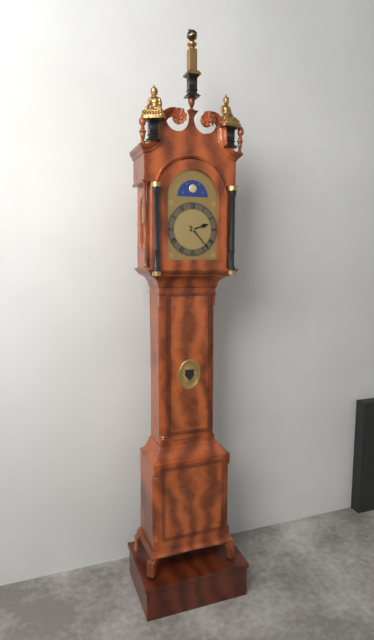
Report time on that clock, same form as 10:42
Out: 2:23
